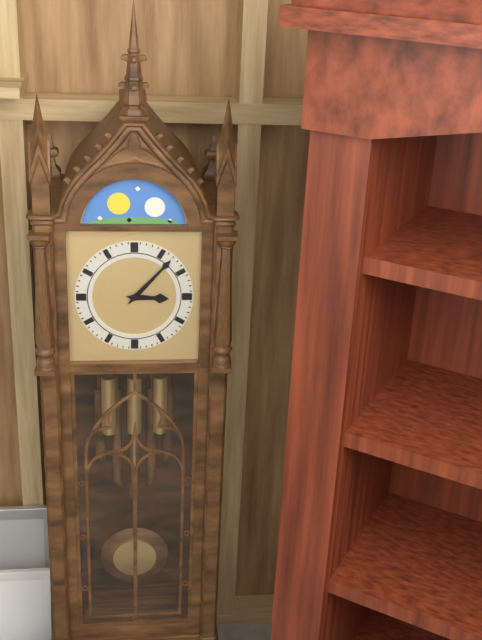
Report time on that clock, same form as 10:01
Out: 3:07
